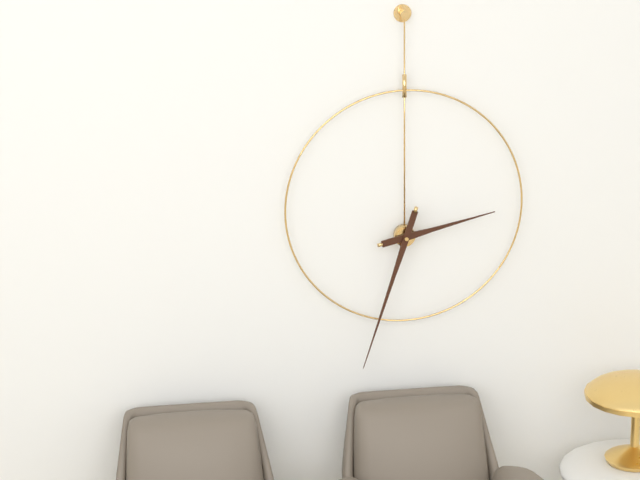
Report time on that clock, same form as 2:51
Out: 2:33
